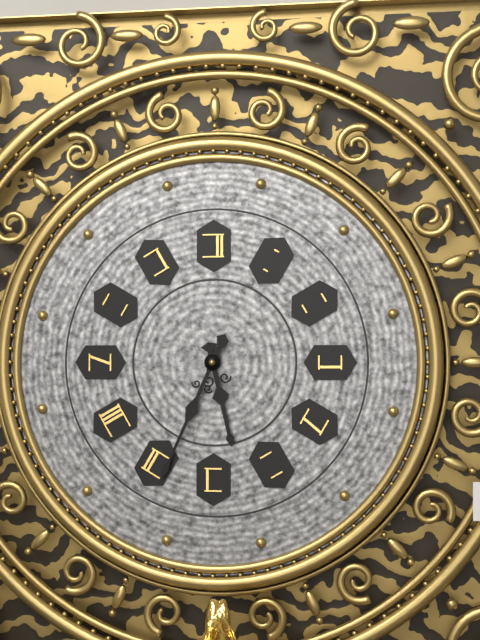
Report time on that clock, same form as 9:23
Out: 5:34
